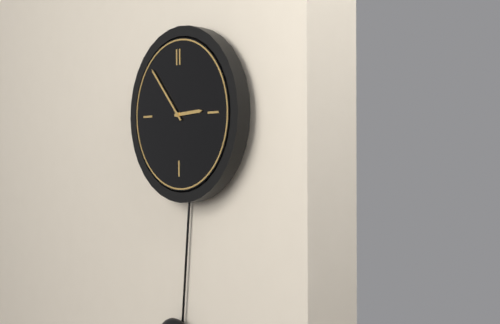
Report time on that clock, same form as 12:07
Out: 2:53
